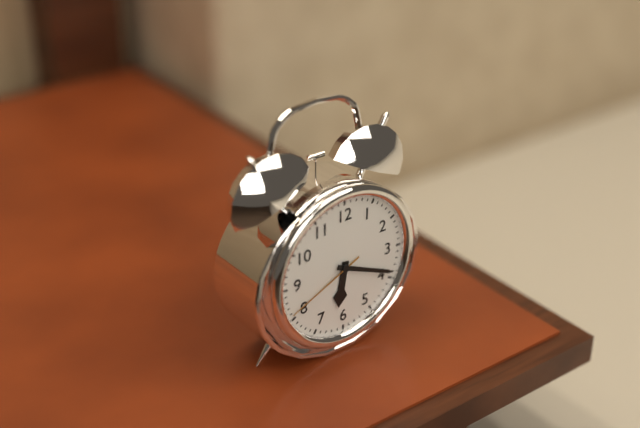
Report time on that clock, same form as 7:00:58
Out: 6:19:41
